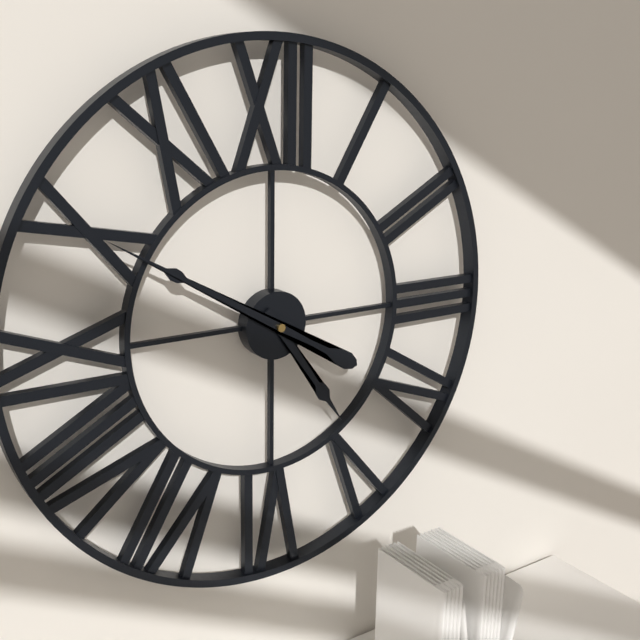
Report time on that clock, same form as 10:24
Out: 4:50
